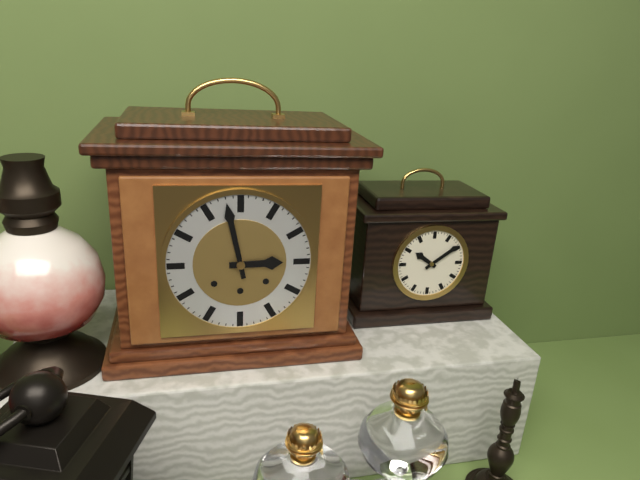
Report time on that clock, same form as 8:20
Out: 2:58
